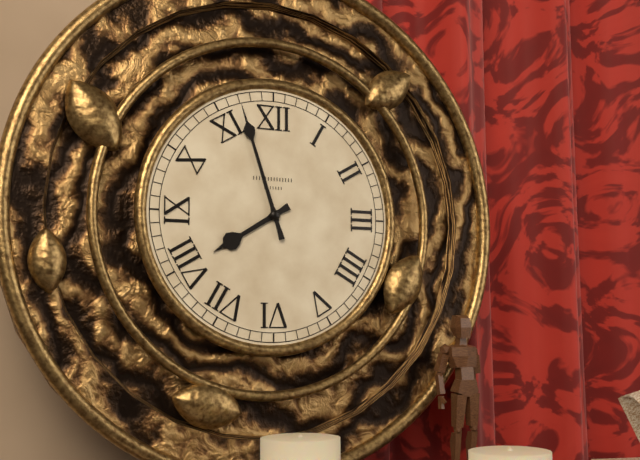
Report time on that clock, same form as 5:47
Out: 7:57
